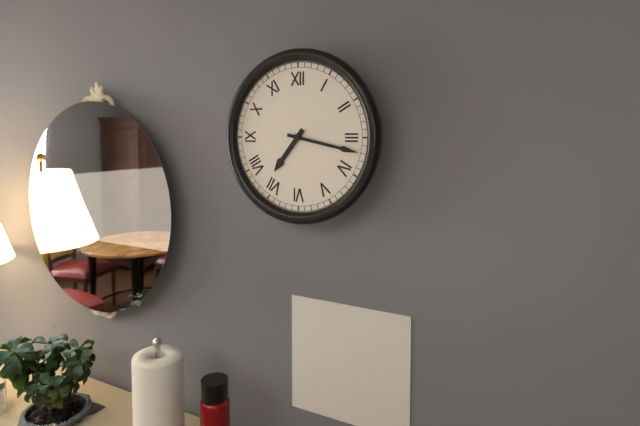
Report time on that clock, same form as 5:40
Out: 7:17
